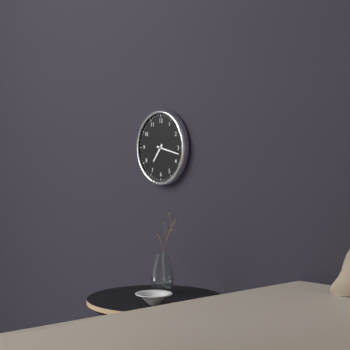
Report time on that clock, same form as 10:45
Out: 7:17
